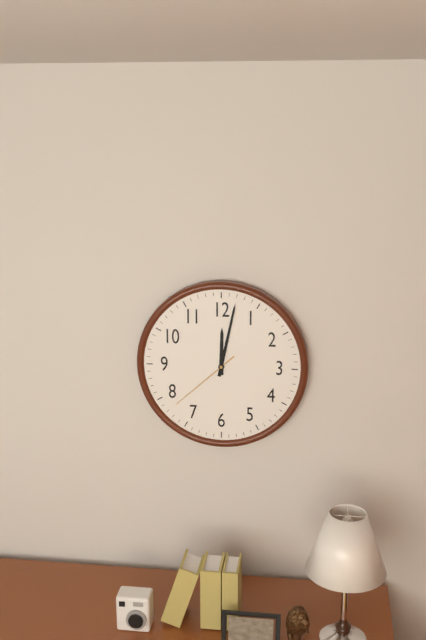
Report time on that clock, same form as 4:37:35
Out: 12:02:38
